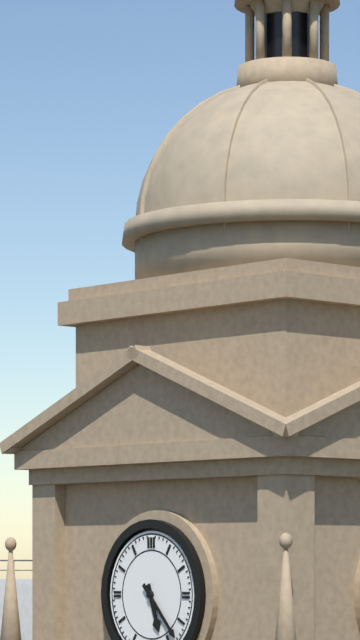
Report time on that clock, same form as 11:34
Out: 5:23
